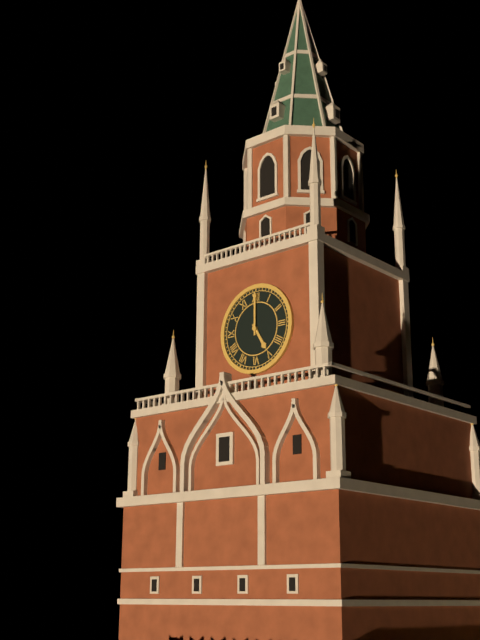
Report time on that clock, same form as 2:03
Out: 5:00
